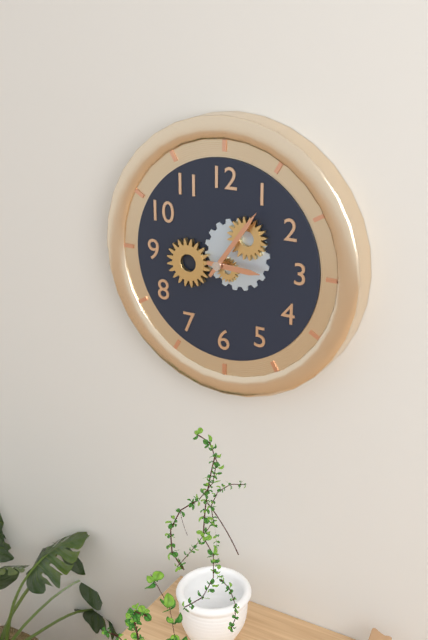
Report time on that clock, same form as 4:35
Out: 3:06
